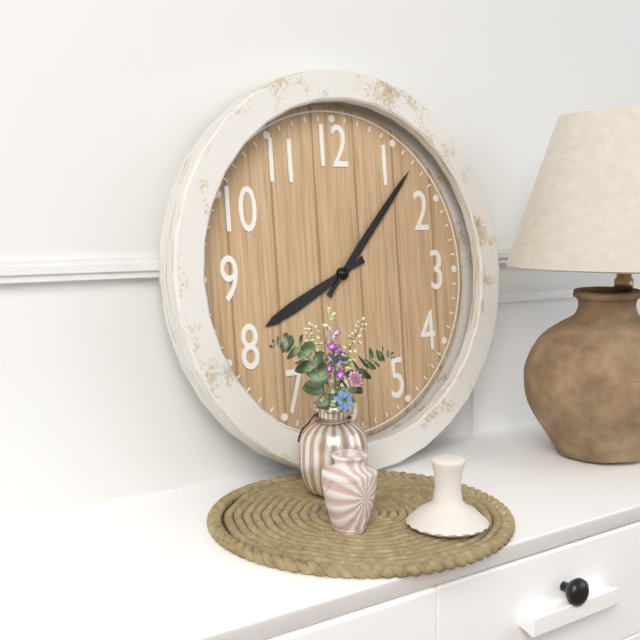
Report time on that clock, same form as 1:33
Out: 8:07
